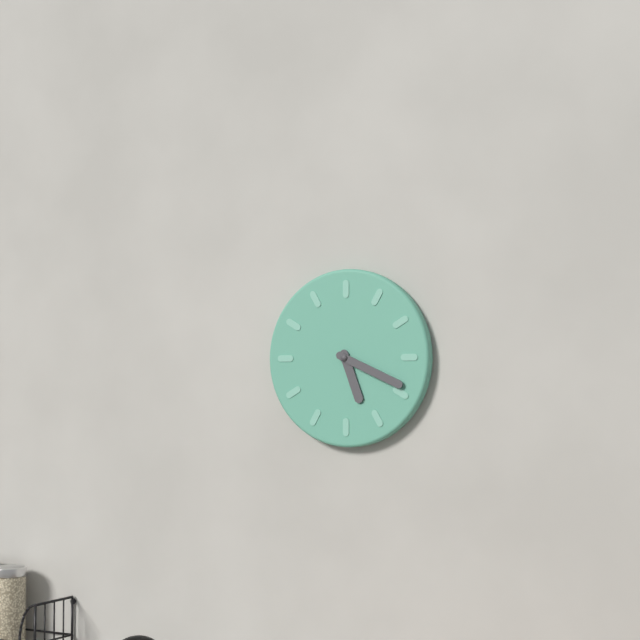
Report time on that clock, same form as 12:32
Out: 5:19
